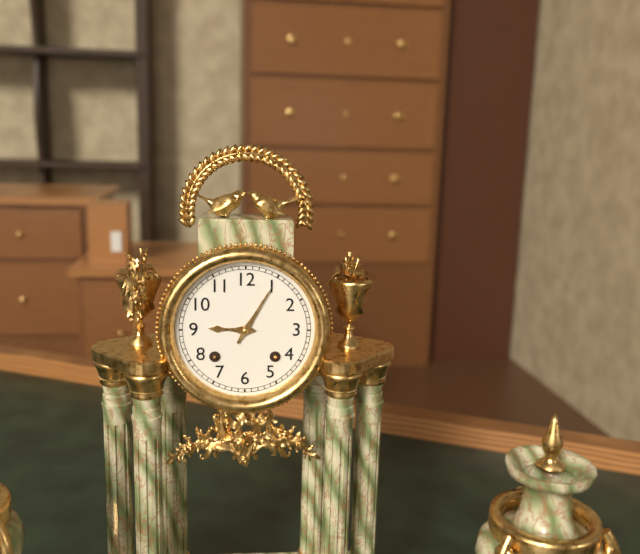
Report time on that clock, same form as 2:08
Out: 9:05
